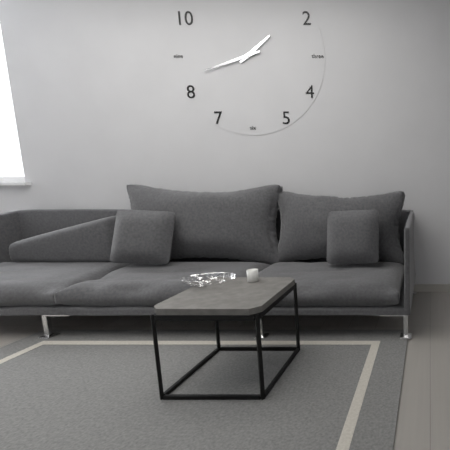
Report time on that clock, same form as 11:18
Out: 1:42
